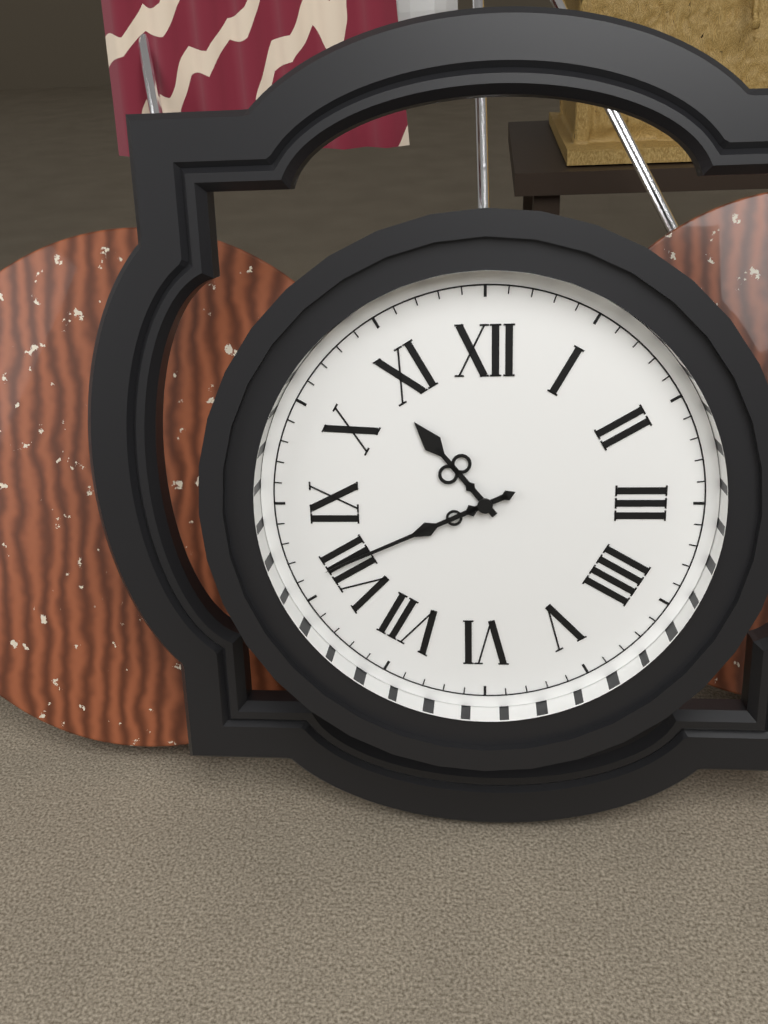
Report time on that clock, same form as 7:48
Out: 10:41
